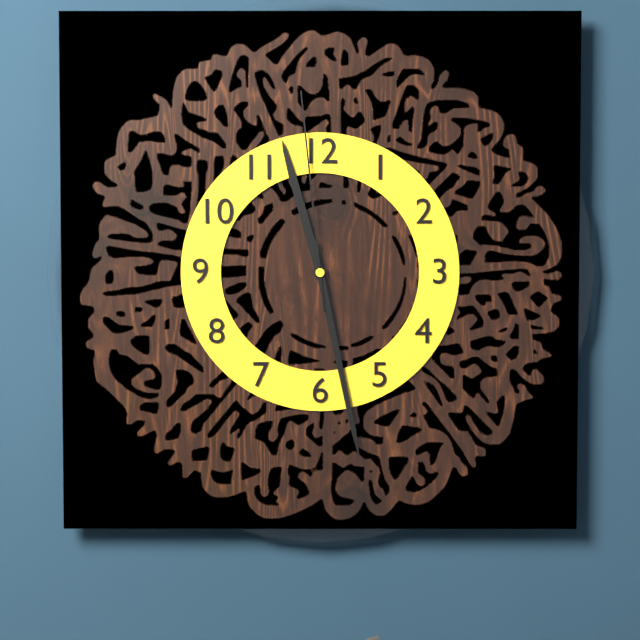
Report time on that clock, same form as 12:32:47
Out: 11:28:59
